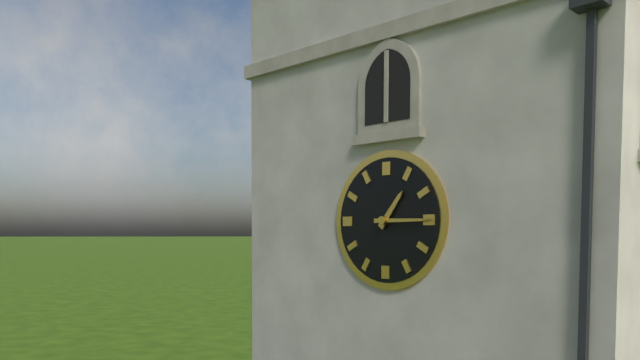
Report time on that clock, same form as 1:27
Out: 1:15
